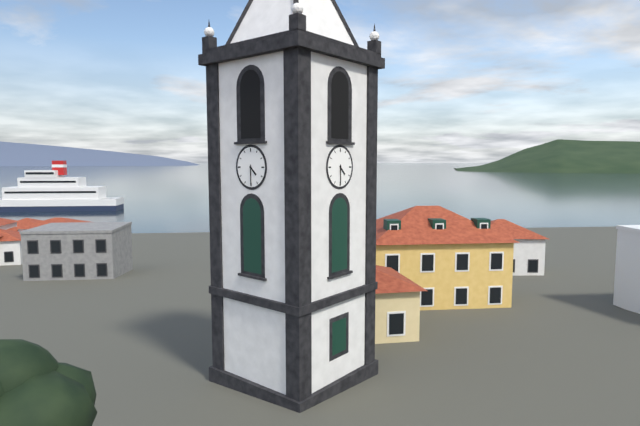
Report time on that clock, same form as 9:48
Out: 4:30
